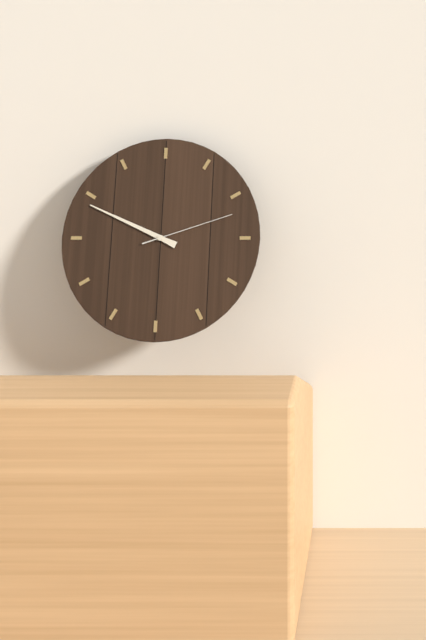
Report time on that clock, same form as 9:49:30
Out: 9:49:12
